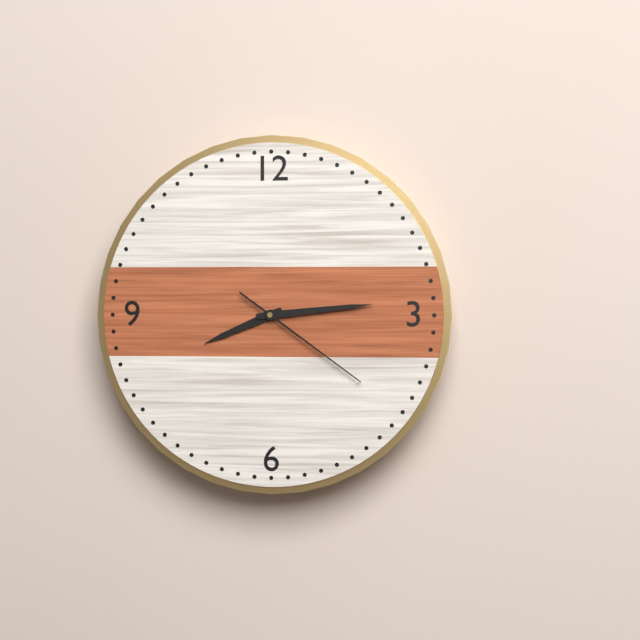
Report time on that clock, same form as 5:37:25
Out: 8:14:21
